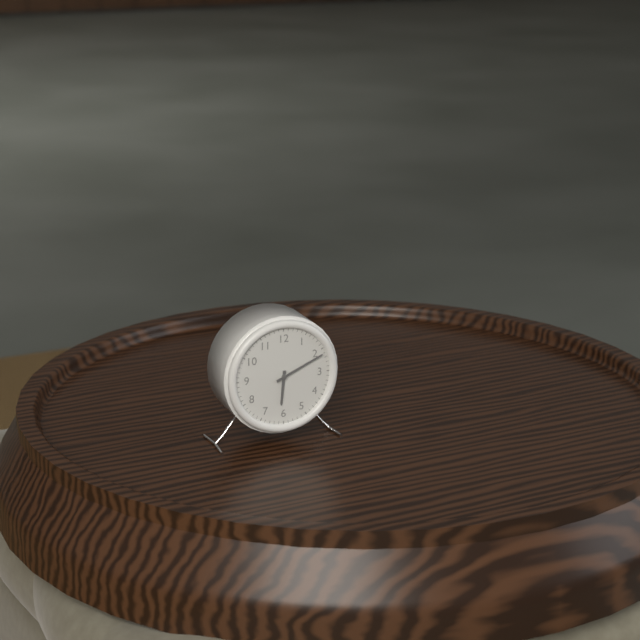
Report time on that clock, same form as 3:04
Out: 6:11
